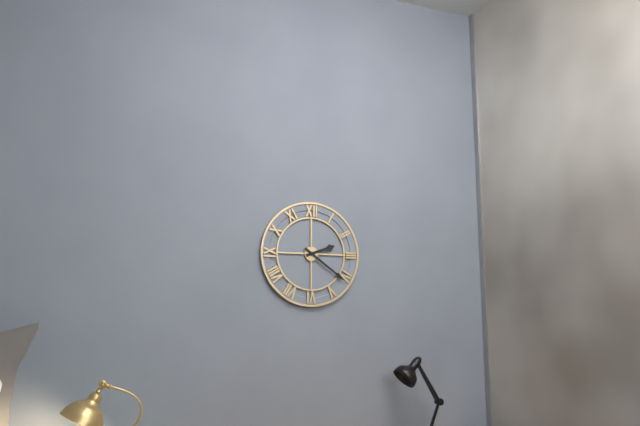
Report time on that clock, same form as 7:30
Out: 2:21
